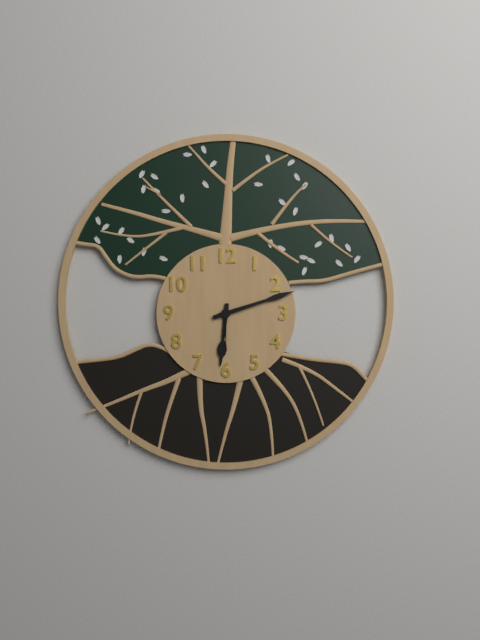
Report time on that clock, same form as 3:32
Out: 6:12
